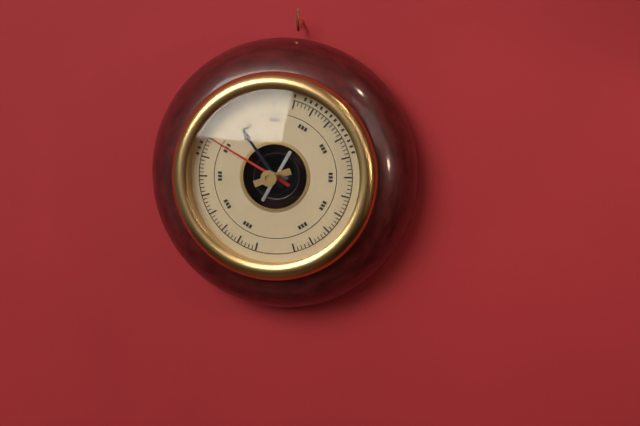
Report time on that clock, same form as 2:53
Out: 10:50
